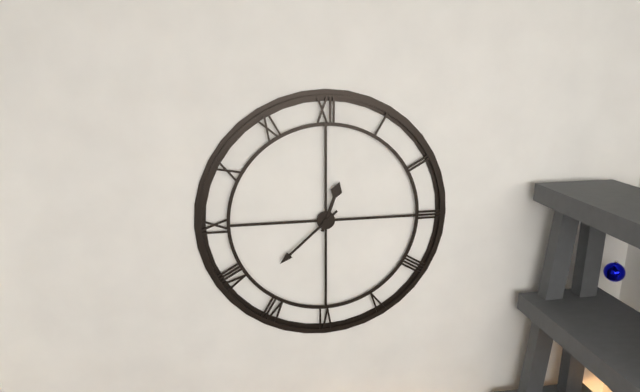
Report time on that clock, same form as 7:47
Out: 12:38
